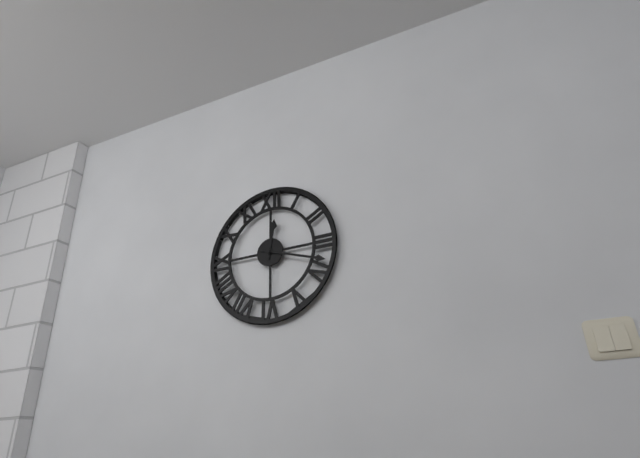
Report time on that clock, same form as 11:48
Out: 12:18
